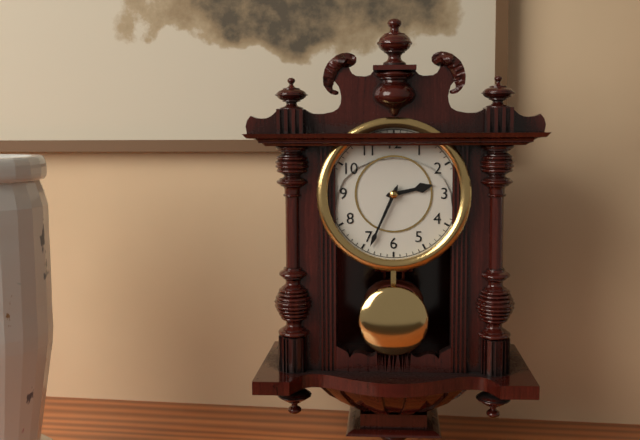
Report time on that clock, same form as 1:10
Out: 2:34
